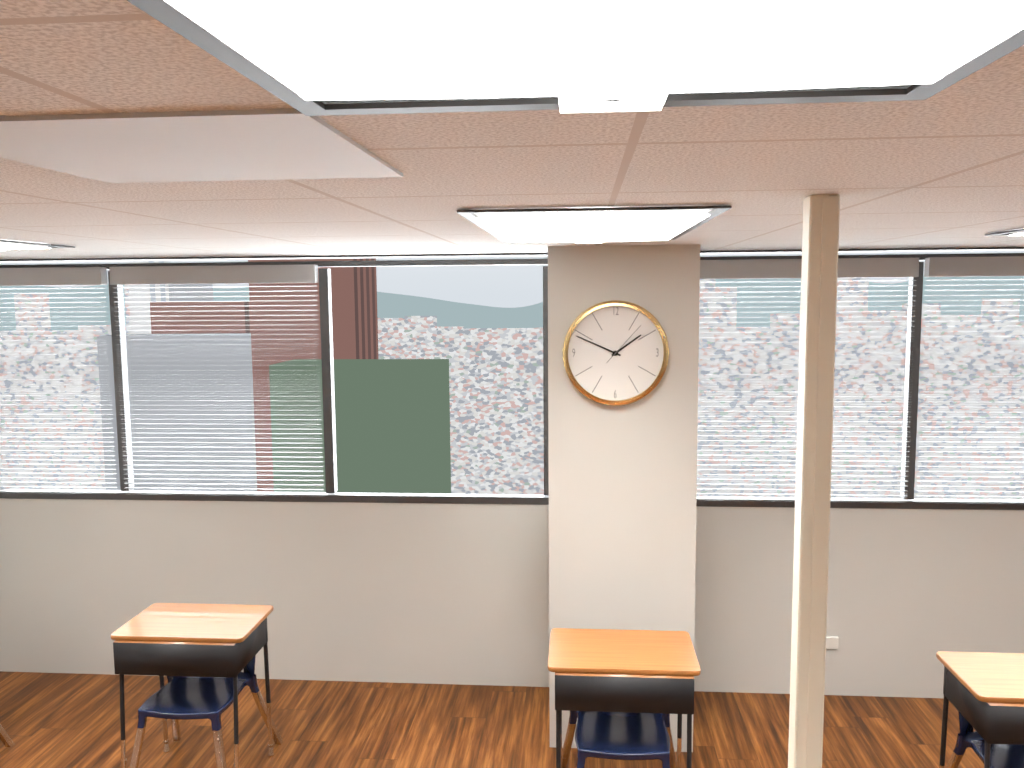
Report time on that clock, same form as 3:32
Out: 1:49
